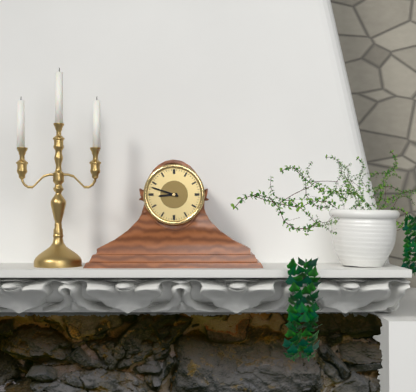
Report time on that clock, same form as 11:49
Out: 8:48
